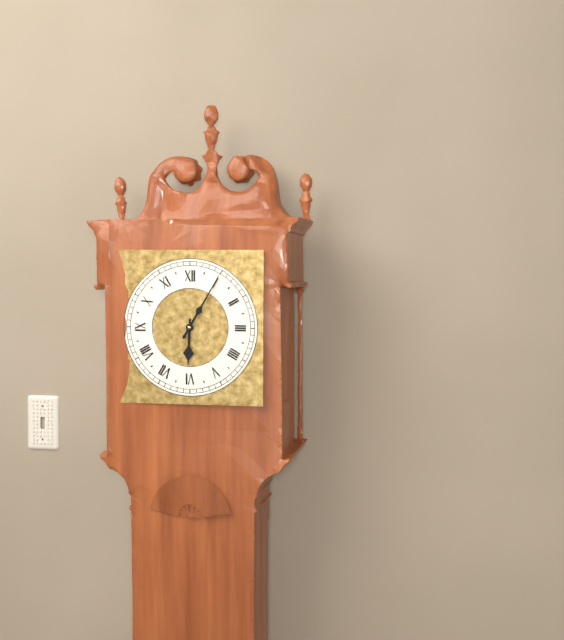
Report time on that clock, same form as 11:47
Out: 6:05
